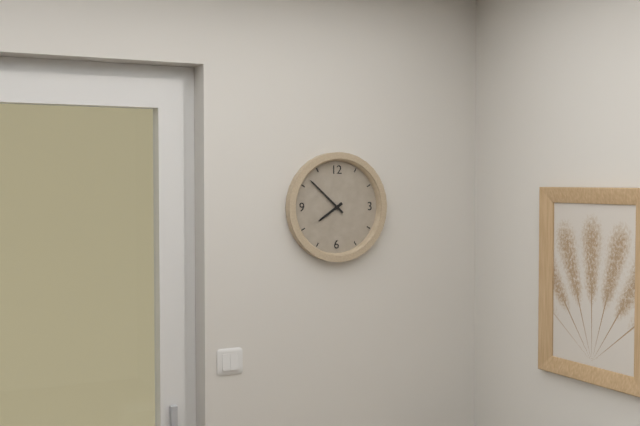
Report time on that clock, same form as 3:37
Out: 7:52
